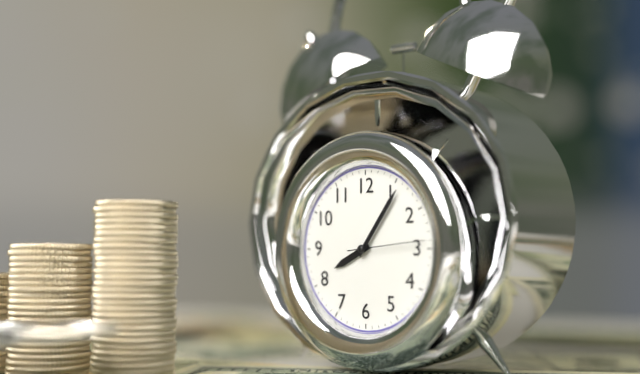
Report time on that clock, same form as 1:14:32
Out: 8:06:14
